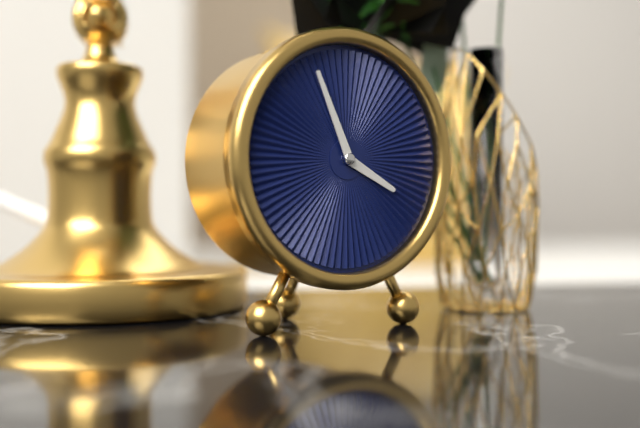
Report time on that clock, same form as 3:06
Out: 3:56
